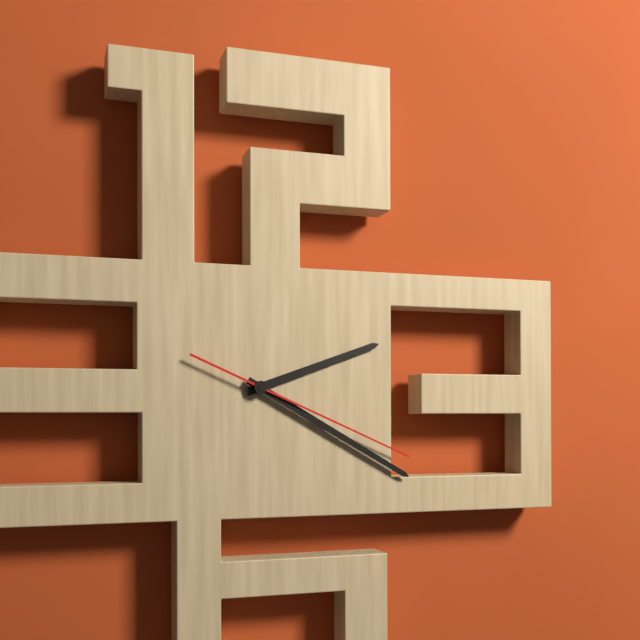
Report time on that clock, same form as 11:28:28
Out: 2:20:19
